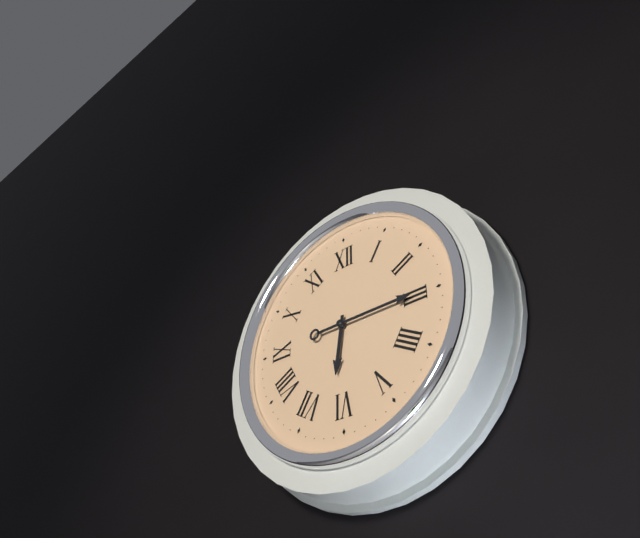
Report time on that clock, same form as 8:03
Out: 6:15
